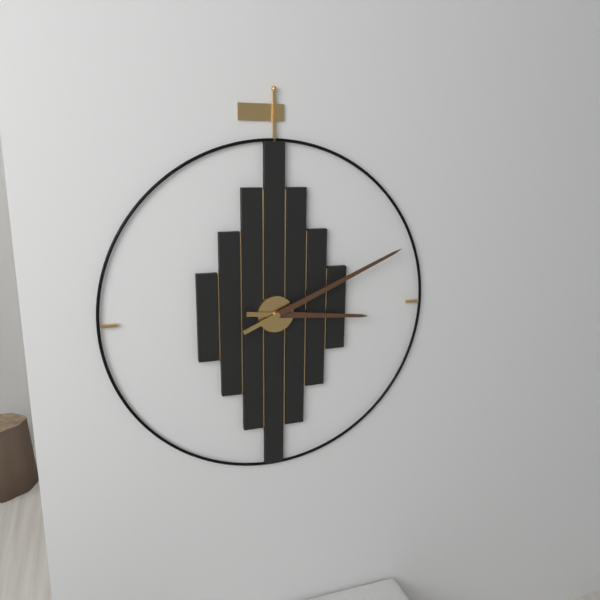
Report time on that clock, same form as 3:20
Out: 3:11
